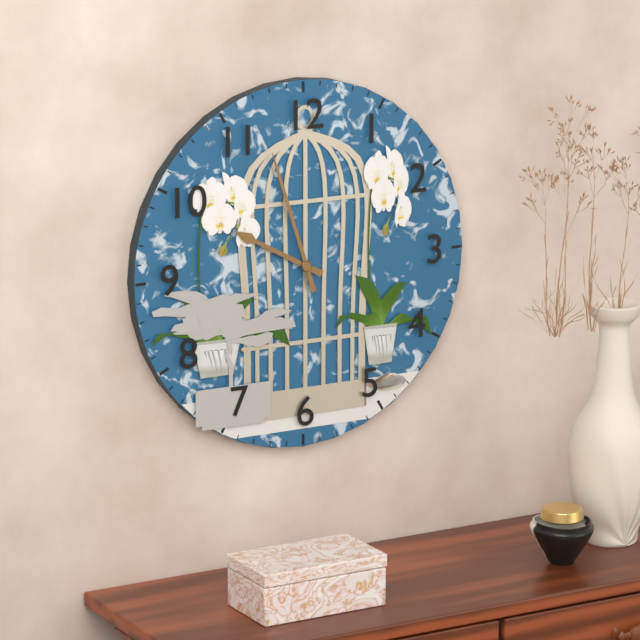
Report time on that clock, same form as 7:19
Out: 9:57
